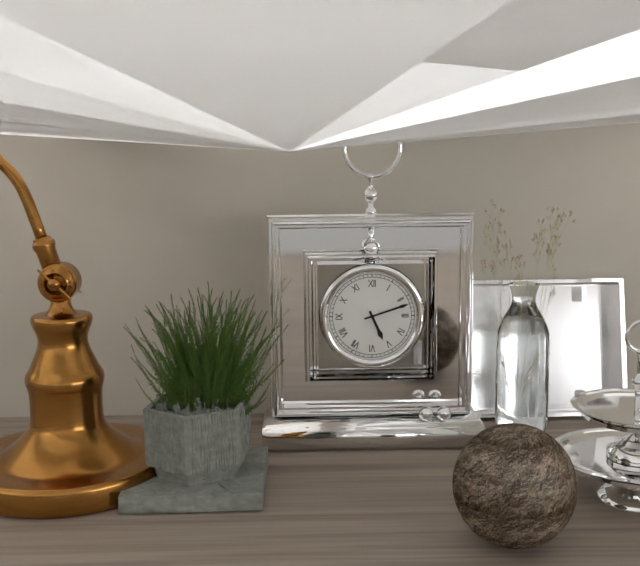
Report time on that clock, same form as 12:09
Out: 5:12
